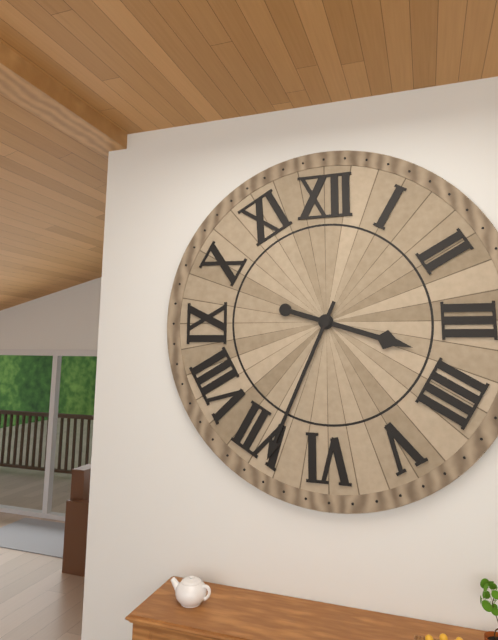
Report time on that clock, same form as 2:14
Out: 3:34
